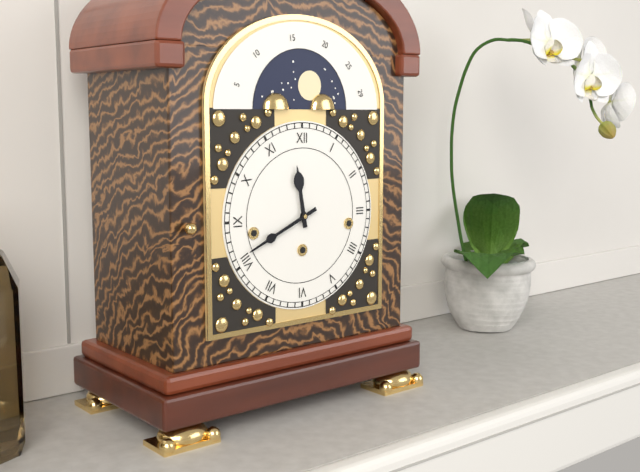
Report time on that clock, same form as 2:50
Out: 11:41
